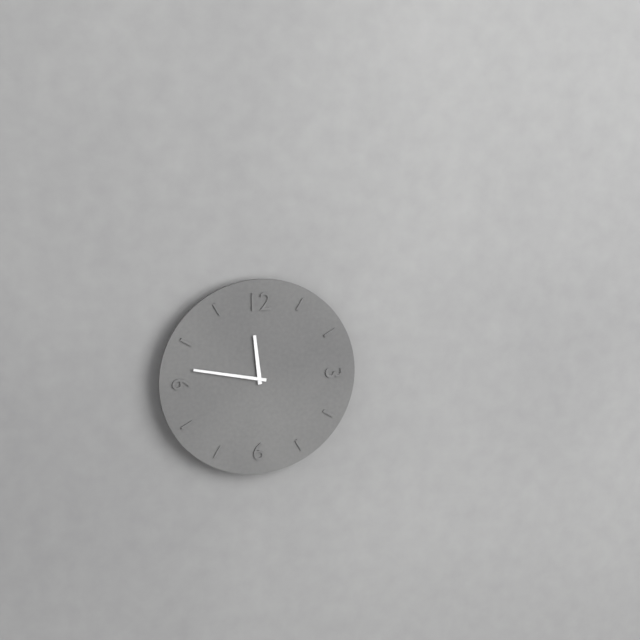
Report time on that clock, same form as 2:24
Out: 11:47
